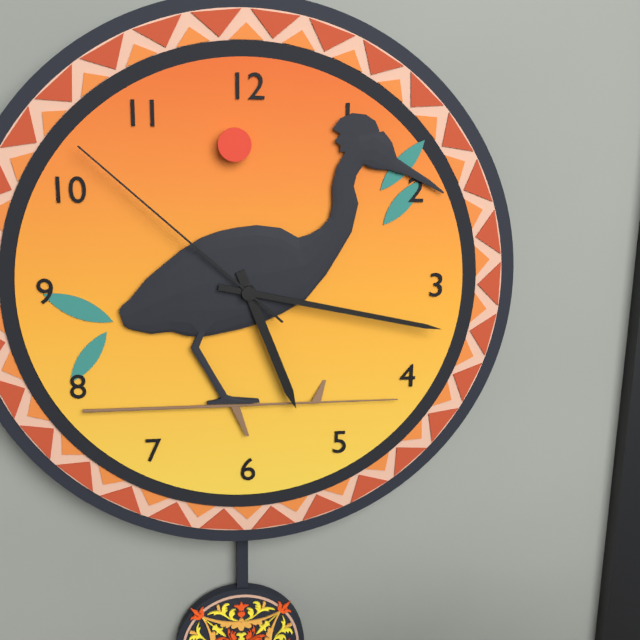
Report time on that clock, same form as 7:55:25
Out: 5:17:52
